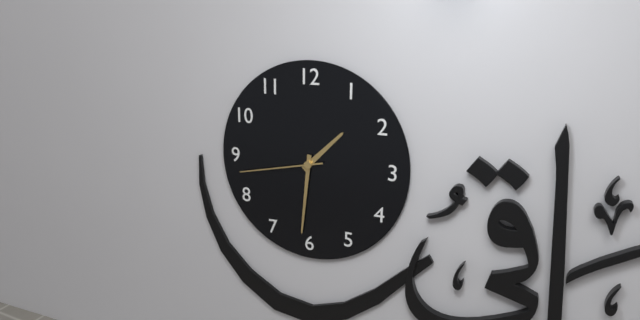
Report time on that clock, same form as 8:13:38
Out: 1:31:43
